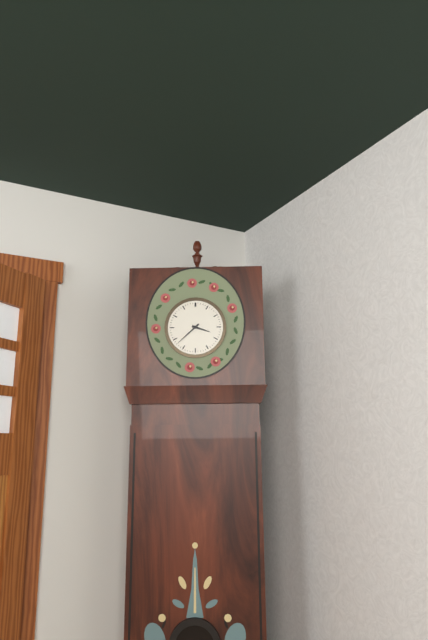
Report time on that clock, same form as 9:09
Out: 3:38
